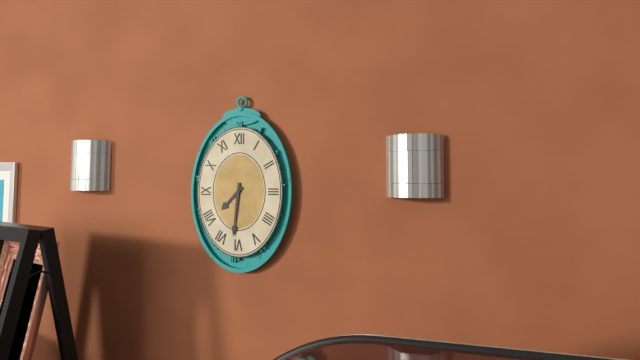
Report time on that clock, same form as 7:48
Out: 7:31
